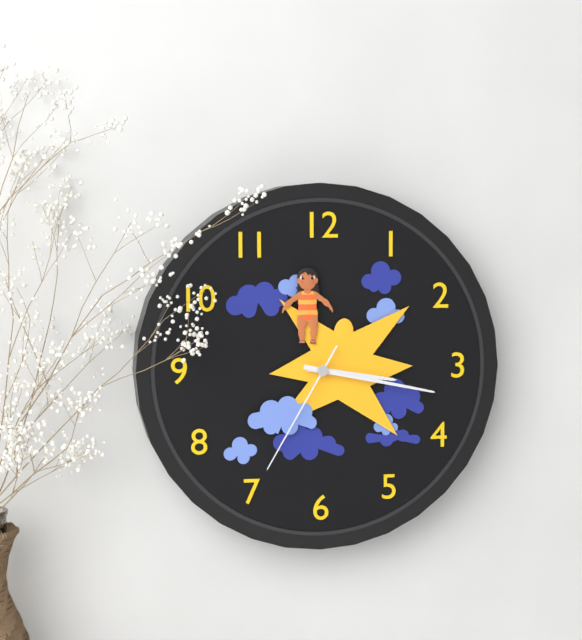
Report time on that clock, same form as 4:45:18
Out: 3:17:35
